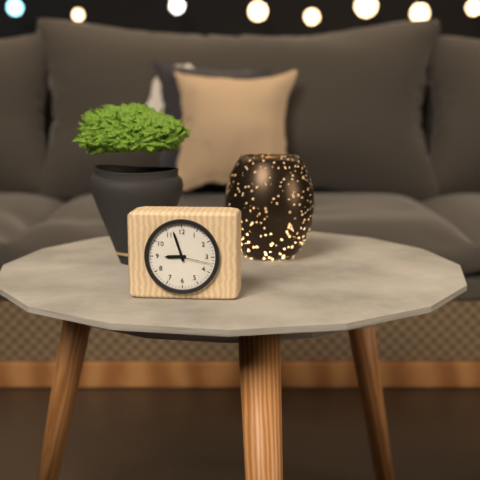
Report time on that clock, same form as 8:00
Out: 8:57
